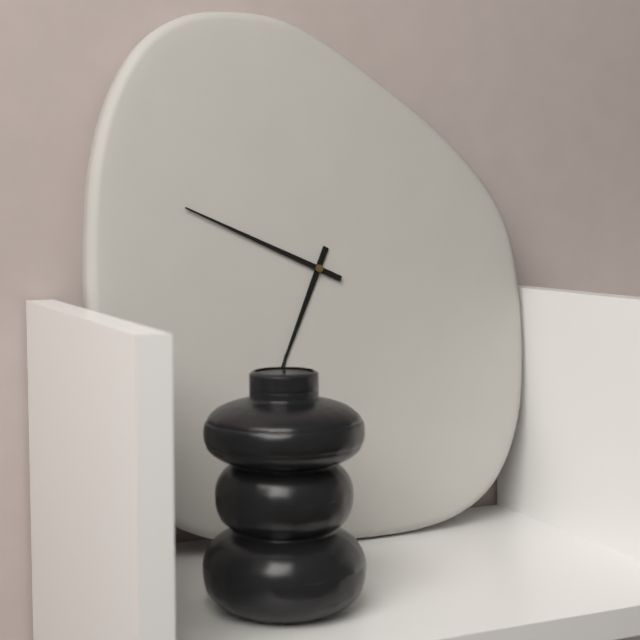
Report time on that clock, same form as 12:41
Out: 6:49
